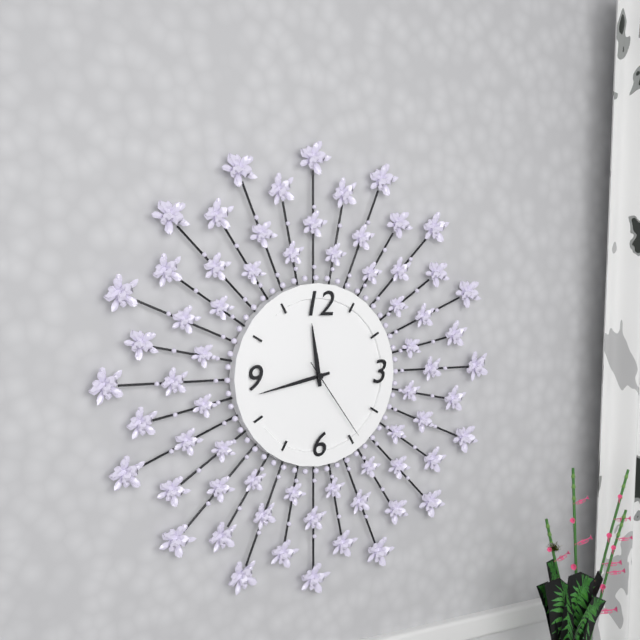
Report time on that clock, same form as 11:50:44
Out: 11:43:24
